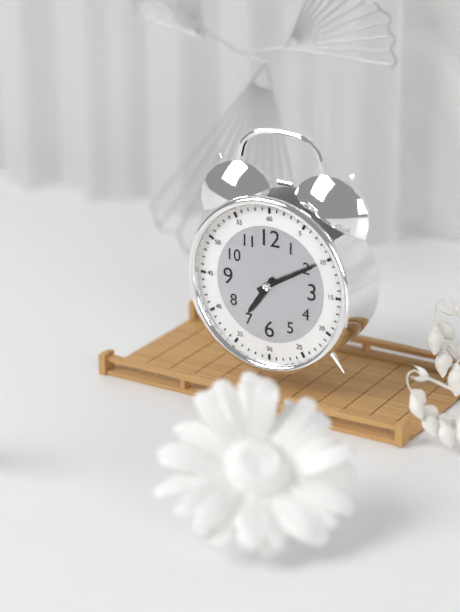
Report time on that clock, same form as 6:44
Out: 7:10
